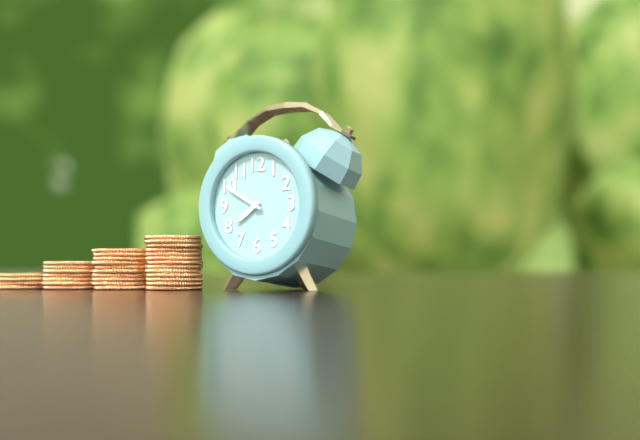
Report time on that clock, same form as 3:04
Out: 7:50
